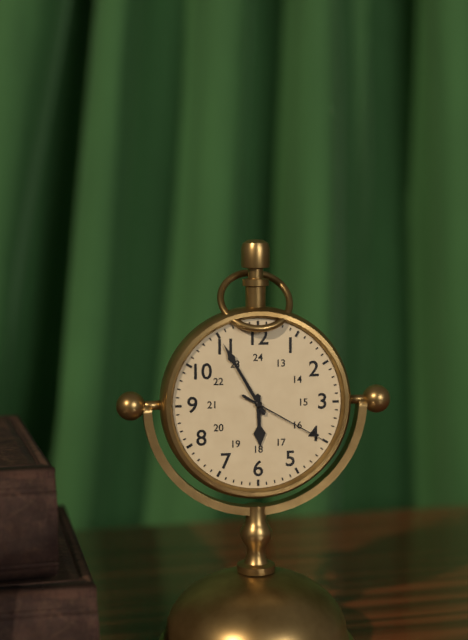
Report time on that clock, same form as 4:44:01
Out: 5:55:20
